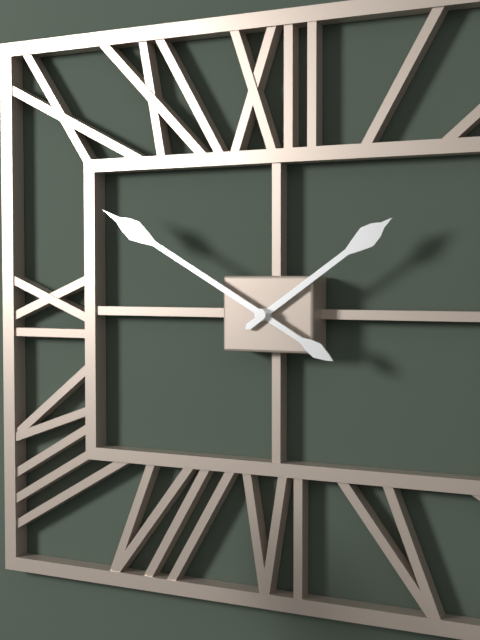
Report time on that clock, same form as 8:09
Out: 1:50
